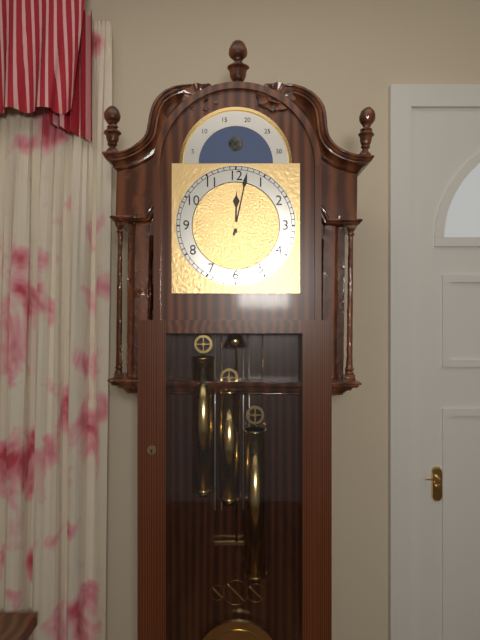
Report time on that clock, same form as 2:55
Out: 12:02
